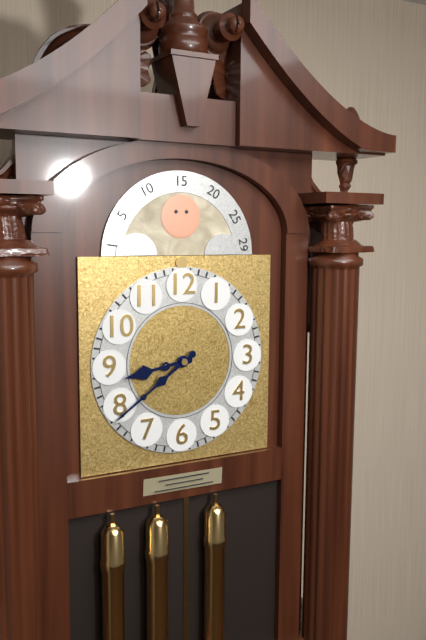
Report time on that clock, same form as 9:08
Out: 8:39
